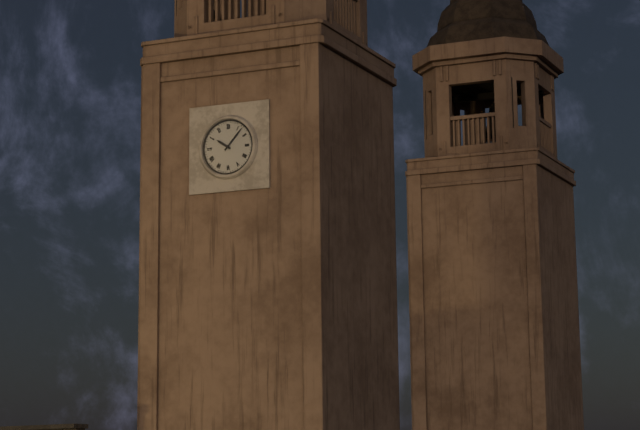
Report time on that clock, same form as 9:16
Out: 10:07
